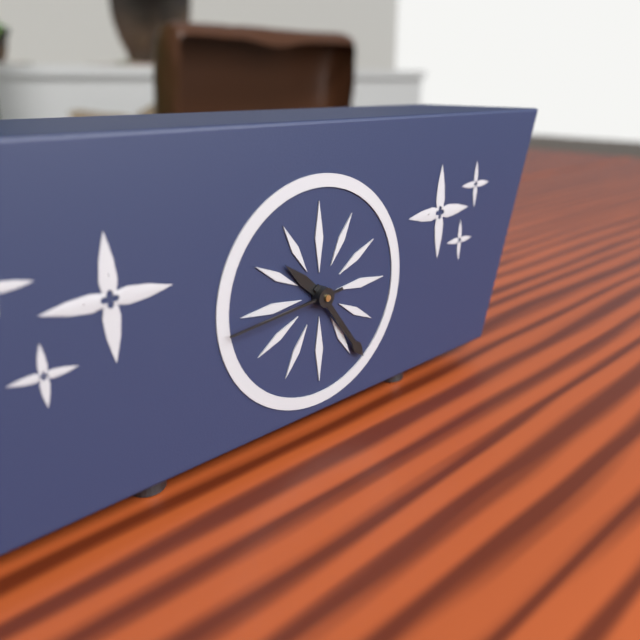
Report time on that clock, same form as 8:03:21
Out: 10:24:44
